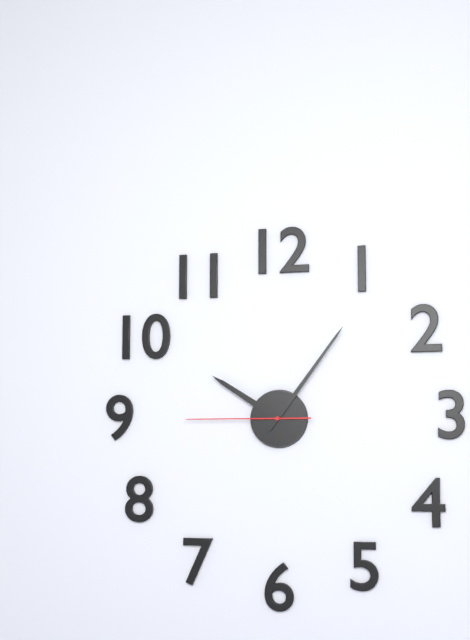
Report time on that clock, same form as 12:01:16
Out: 10:06:45
